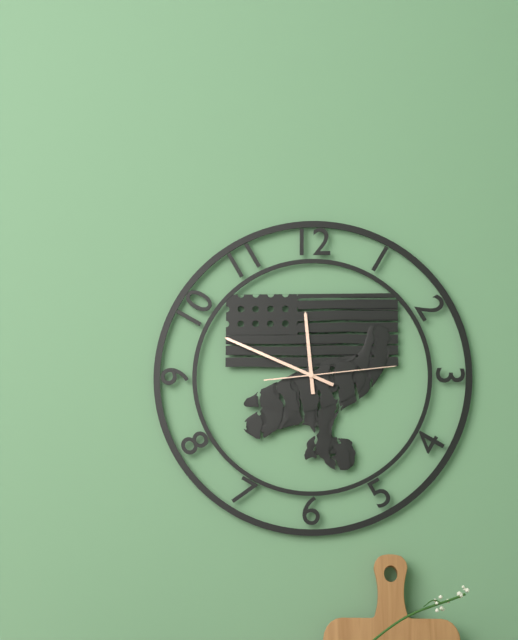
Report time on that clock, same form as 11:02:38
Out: 11:49:14
